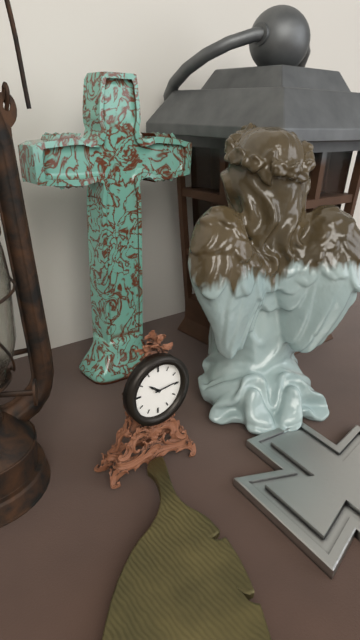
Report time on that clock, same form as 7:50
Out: 10:14
